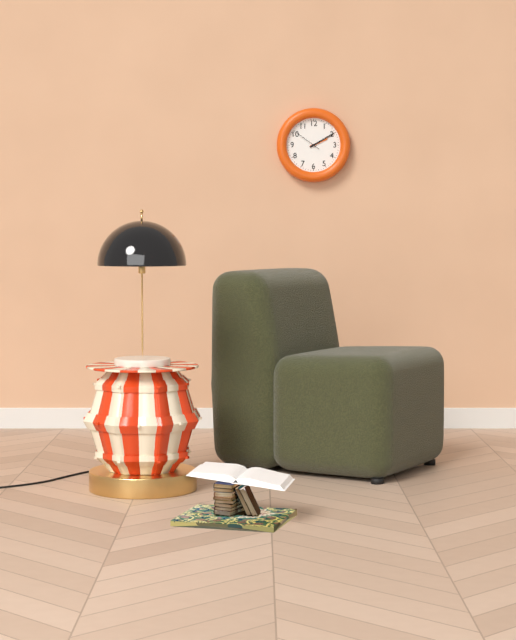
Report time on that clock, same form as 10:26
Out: 2:10
